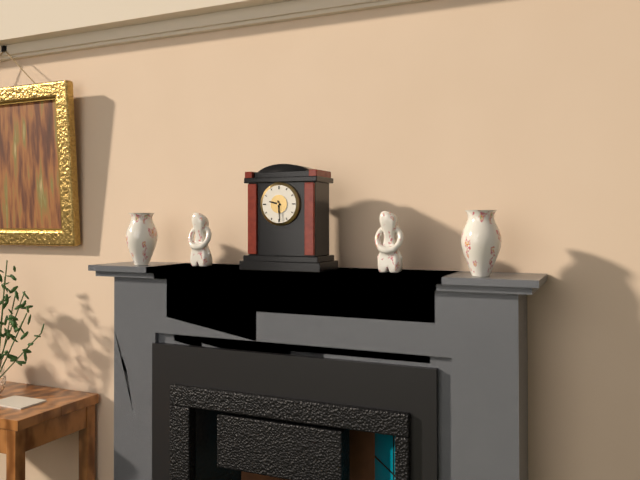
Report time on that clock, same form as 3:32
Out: 9:29
